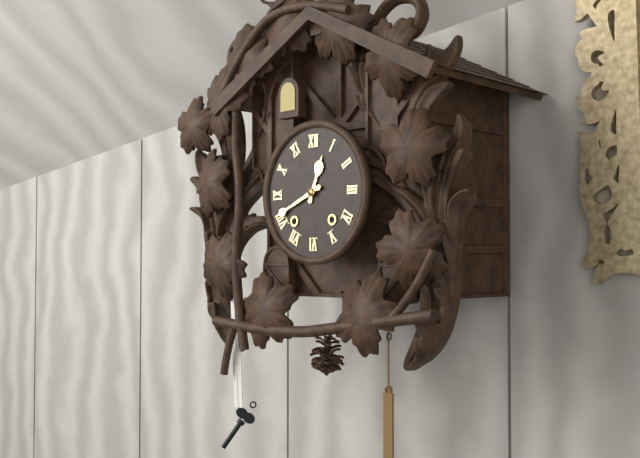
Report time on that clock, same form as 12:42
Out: 12:41
